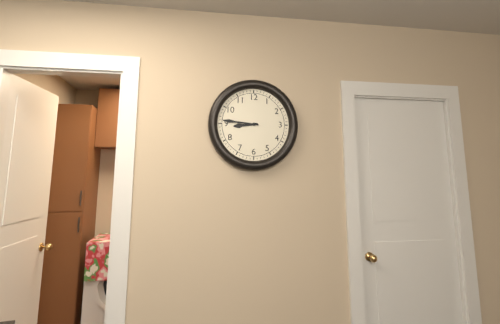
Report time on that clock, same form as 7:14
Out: 8:46
